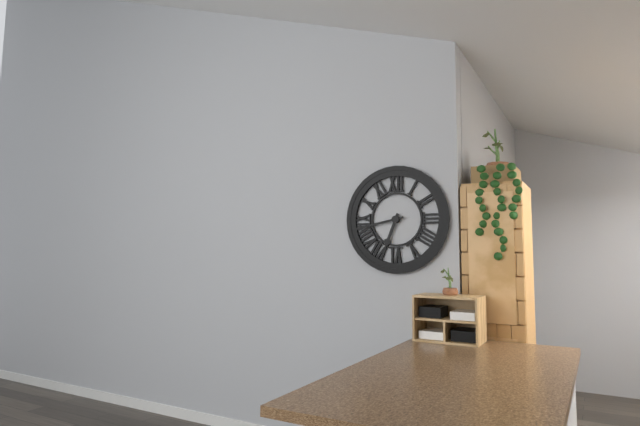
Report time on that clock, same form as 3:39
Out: 6:43
